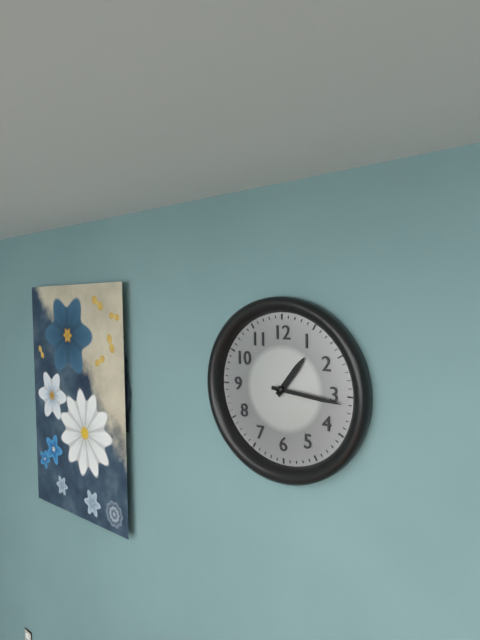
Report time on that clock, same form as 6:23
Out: 1:16
